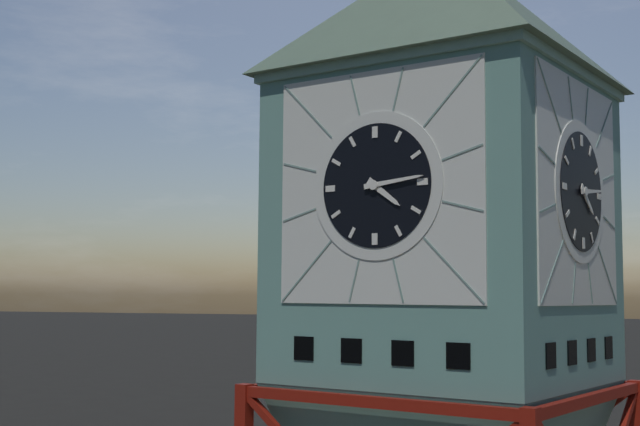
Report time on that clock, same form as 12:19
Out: 4:14
